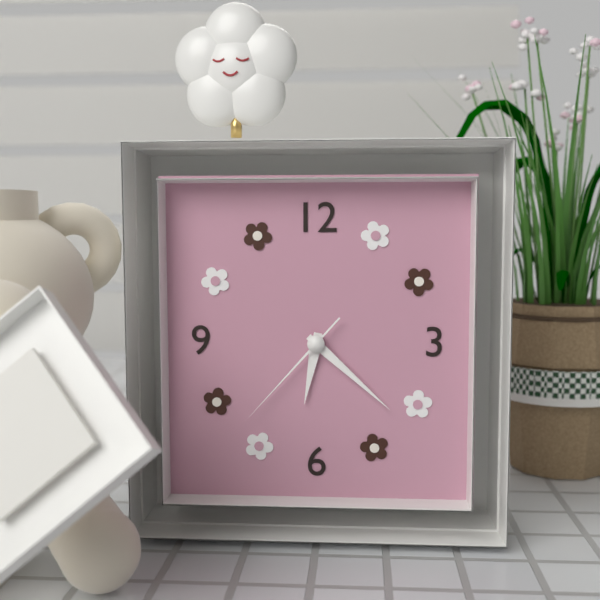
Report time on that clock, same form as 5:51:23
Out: 6:22:37
